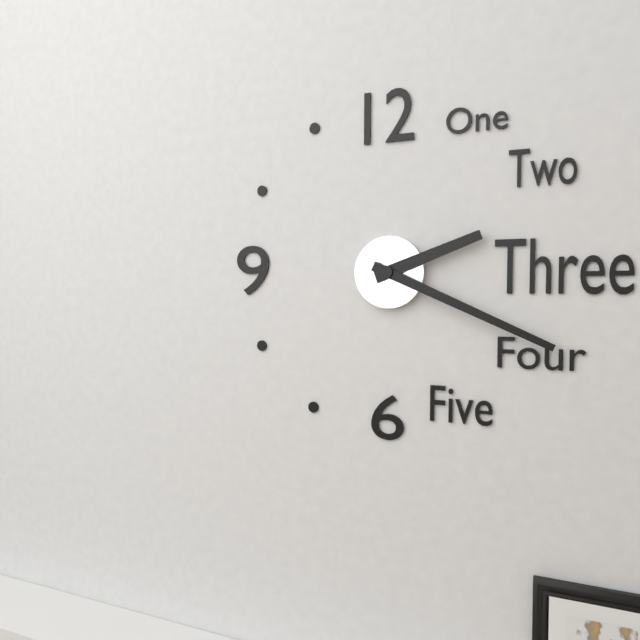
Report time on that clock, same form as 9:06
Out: 2:19
